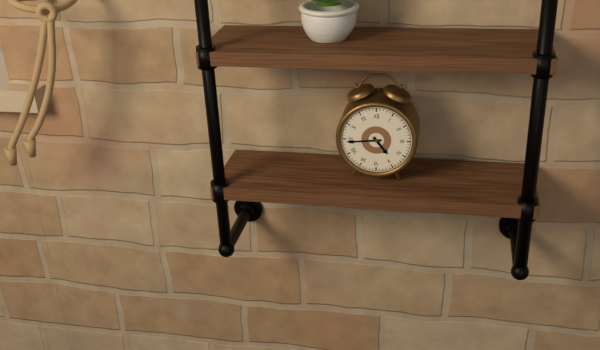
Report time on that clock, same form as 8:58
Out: 4:44
